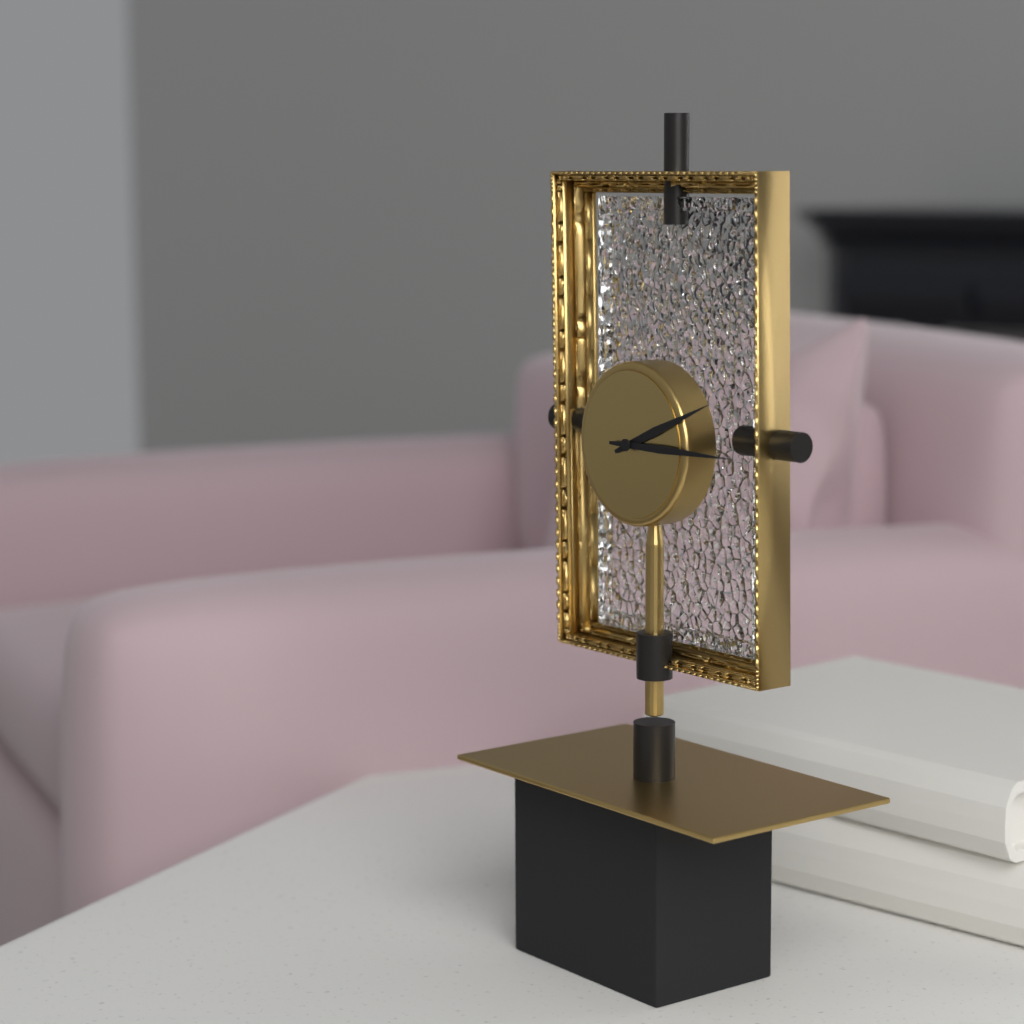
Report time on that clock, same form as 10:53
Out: 2:15
